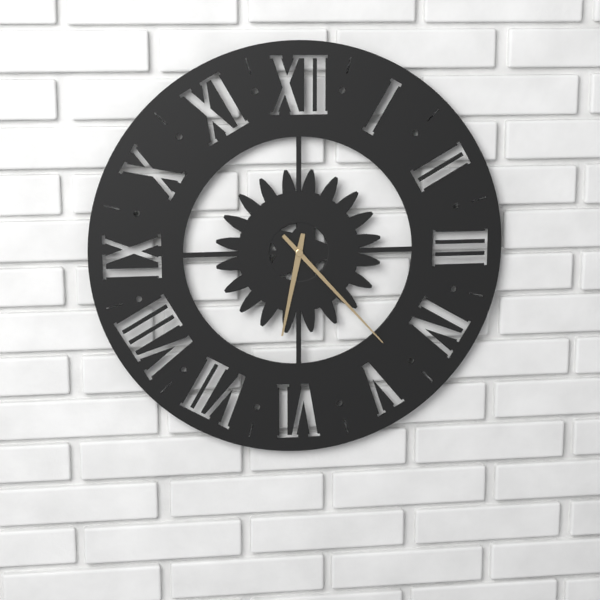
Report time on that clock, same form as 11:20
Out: 6:23
